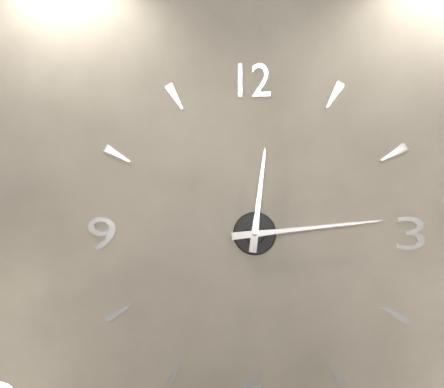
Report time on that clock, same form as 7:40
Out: 12:14
